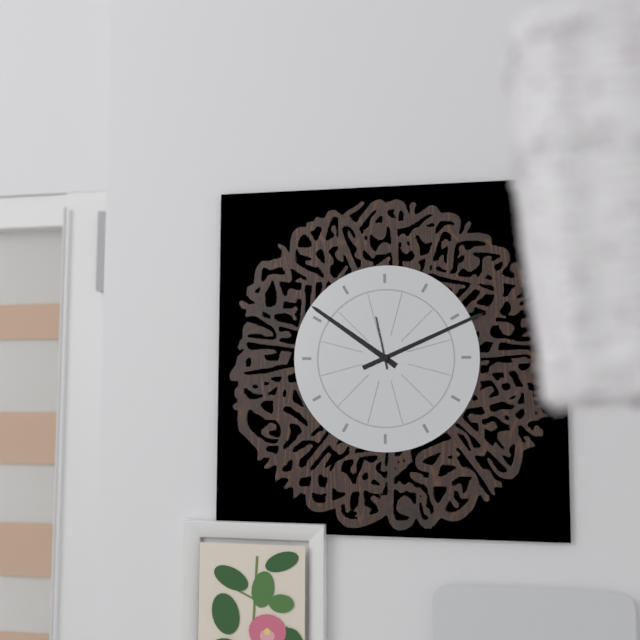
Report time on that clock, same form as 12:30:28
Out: 10:11:58
